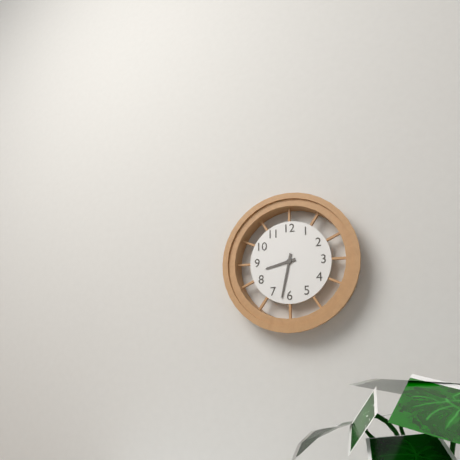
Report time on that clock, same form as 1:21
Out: 8:32
